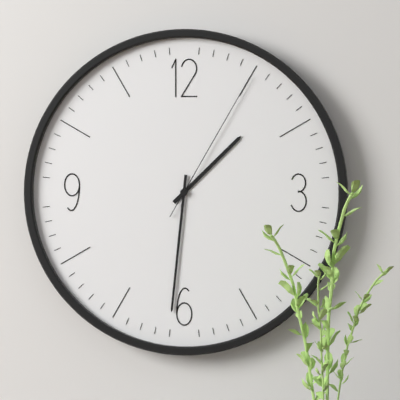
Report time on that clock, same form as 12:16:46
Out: 1:31:05
